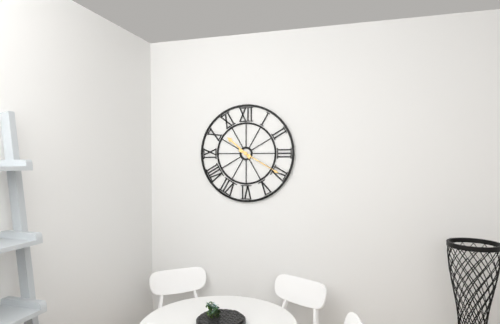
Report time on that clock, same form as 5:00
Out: 10:20
